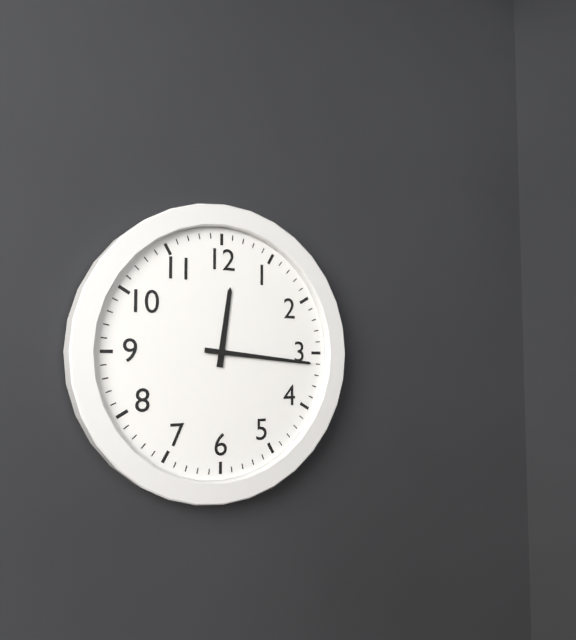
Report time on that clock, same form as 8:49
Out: 12:16
